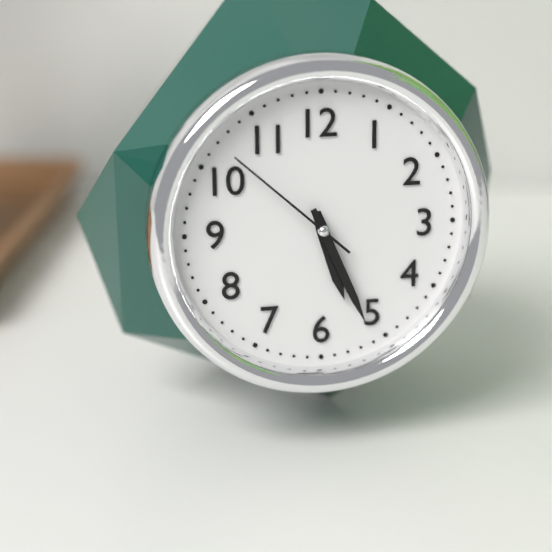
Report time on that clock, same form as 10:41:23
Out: 5:26:52
